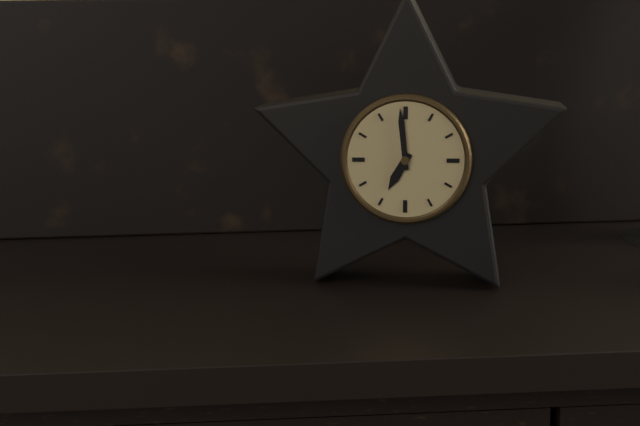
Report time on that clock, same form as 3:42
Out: 6:59
